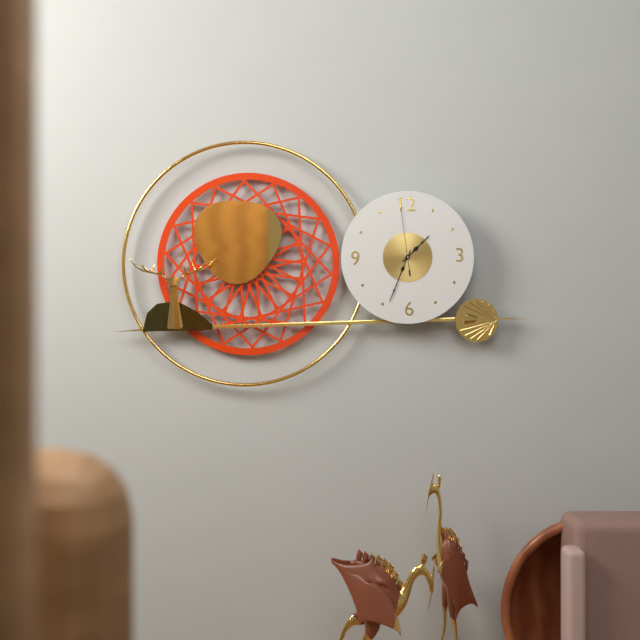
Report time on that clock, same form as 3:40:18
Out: 1:34:59
